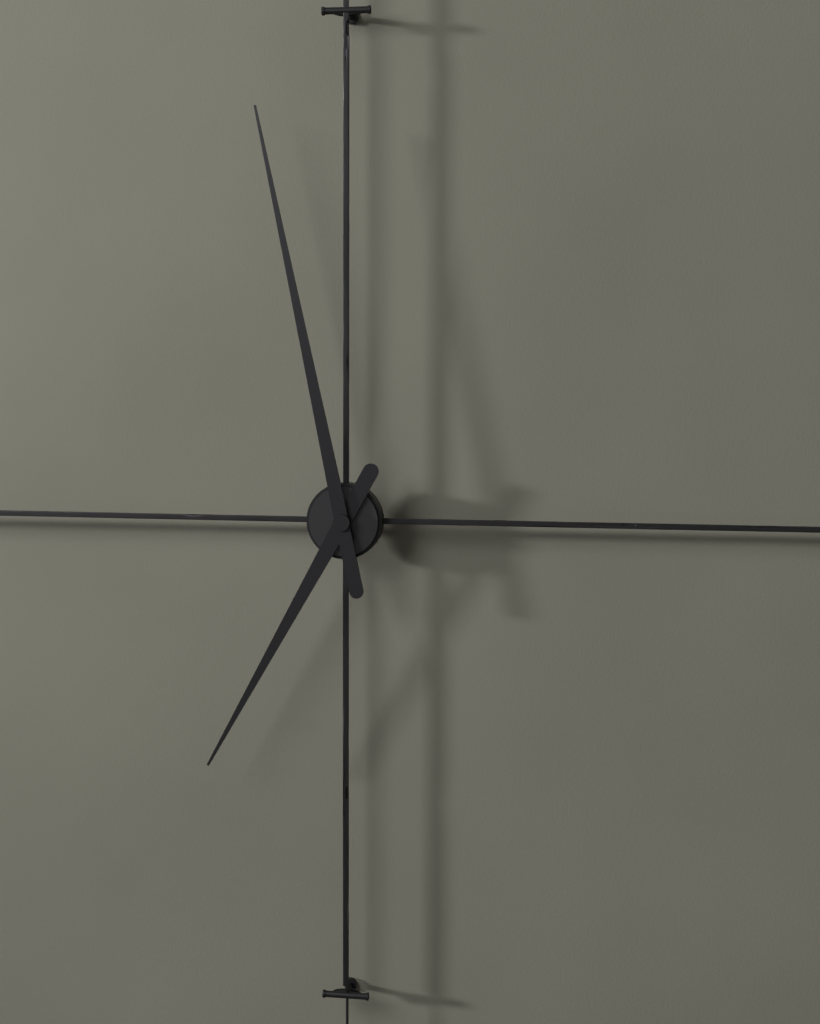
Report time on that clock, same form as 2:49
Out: 6:58
